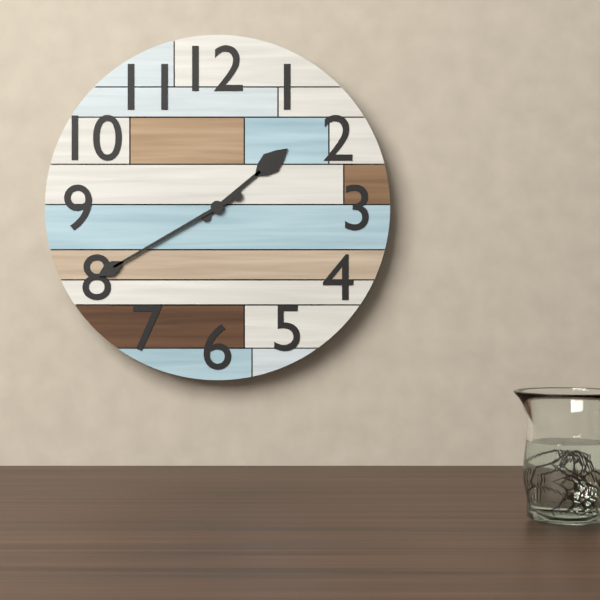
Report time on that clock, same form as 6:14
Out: 1:40
